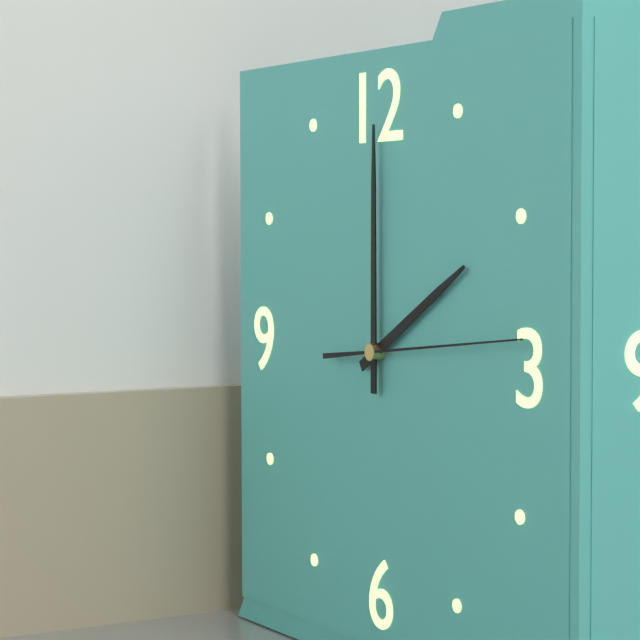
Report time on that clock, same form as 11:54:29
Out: 2:00:14
